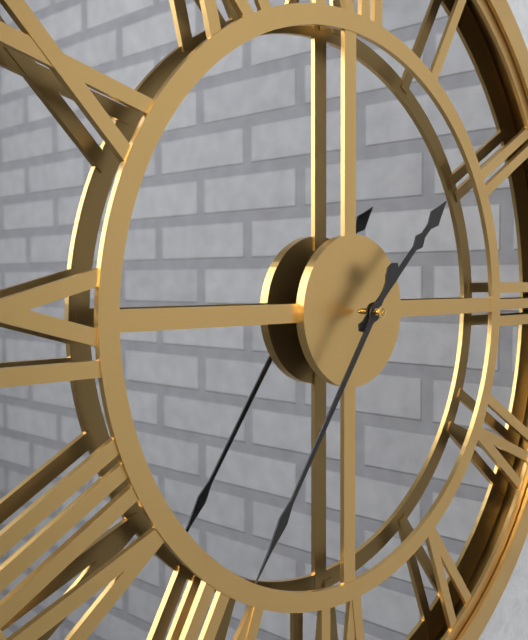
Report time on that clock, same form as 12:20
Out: 1:36
